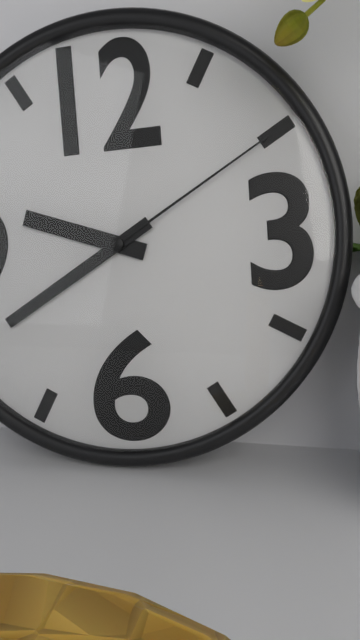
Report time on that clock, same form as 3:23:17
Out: 9:40:10
